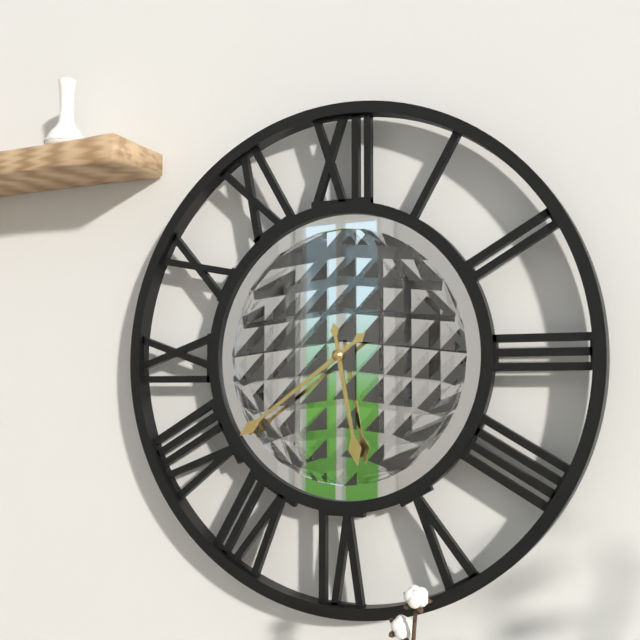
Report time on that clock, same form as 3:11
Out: 5:39
